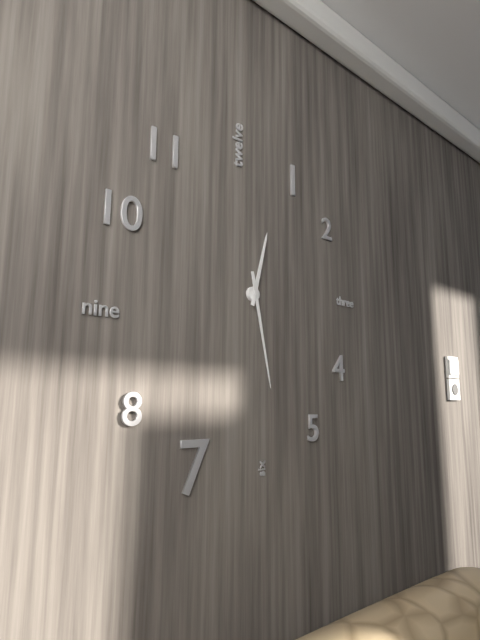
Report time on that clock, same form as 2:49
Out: 12:28
